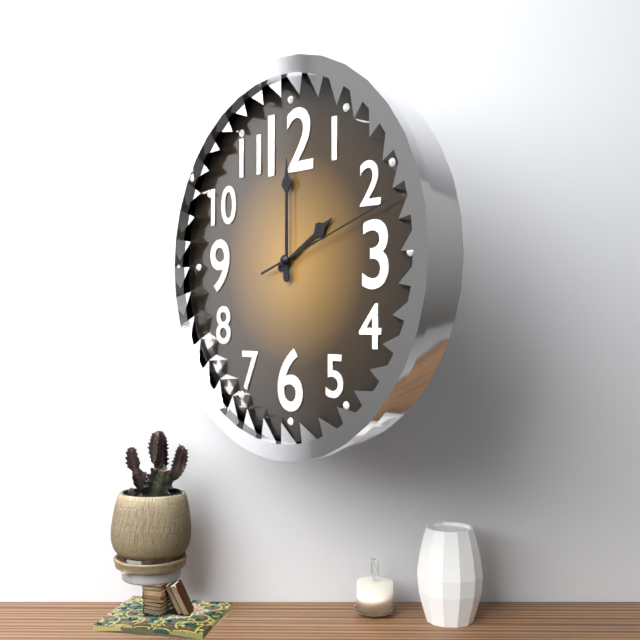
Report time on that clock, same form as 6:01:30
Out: 2:00:12
